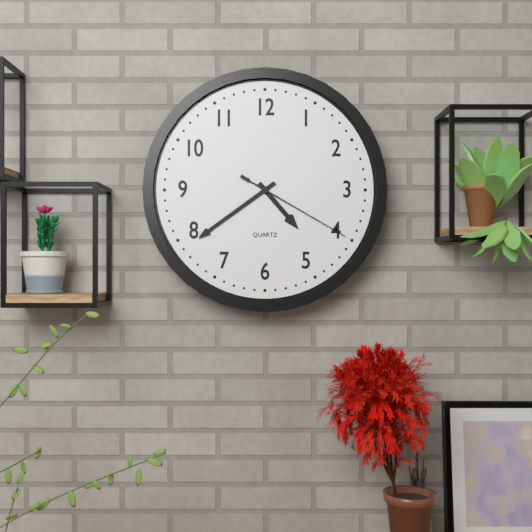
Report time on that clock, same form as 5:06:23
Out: 4:39:20
